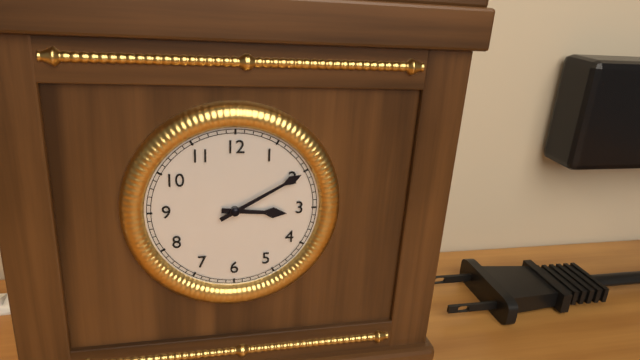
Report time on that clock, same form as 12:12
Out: 3:10
